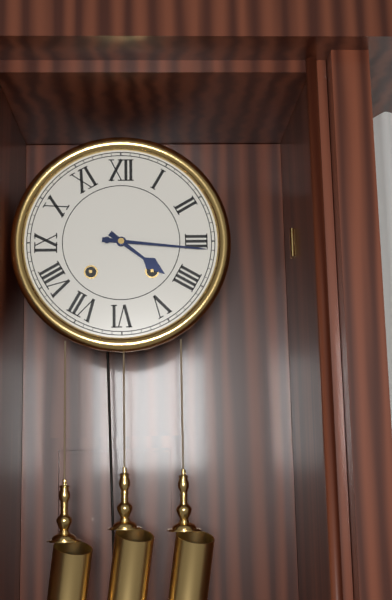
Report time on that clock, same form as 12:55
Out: 4:16
